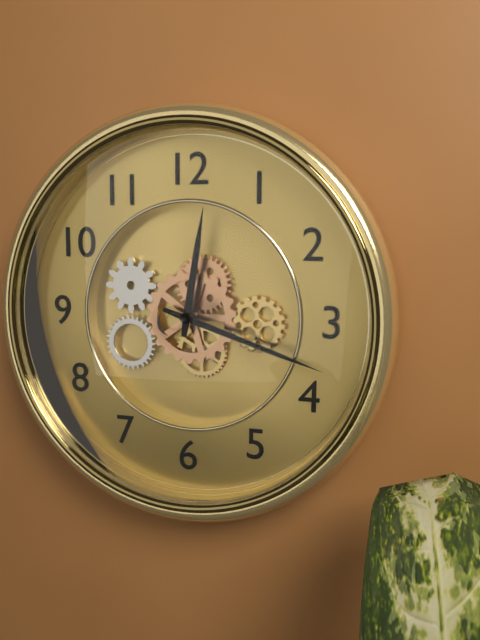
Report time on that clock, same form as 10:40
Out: 12:18
